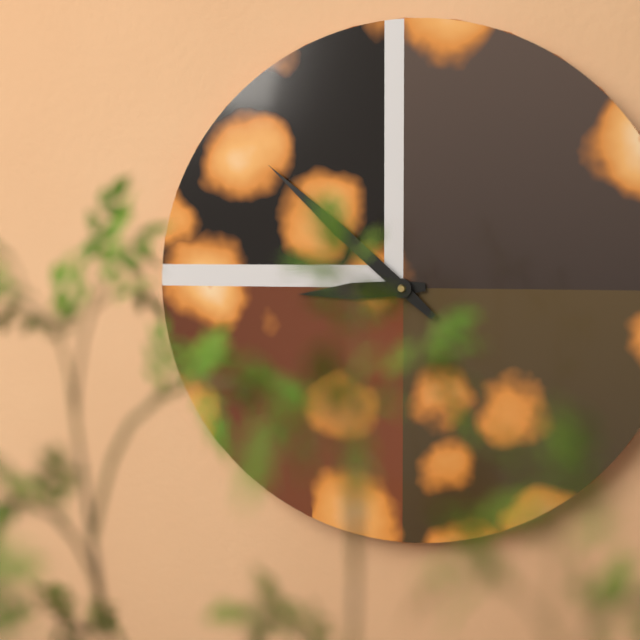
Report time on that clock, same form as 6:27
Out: 8:52
